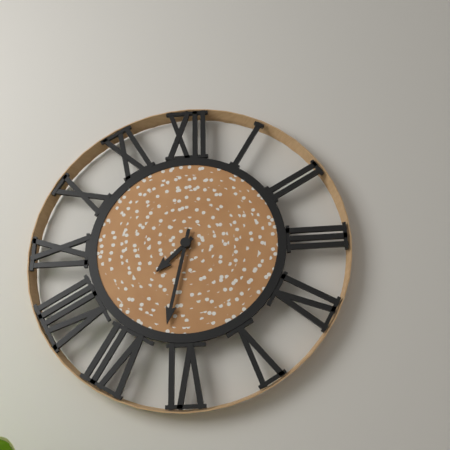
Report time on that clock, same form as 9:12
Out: 7:32
